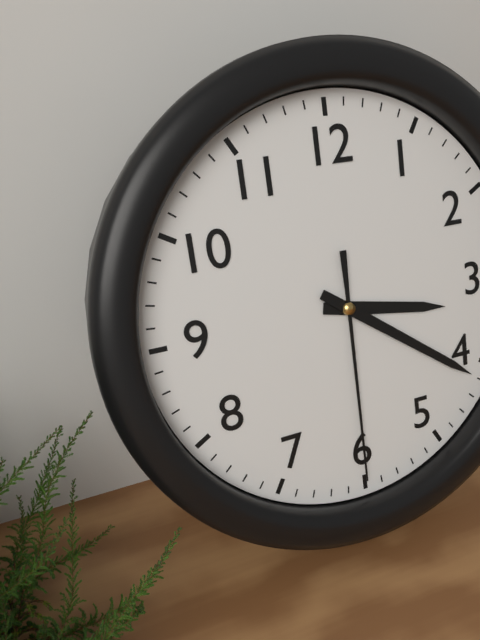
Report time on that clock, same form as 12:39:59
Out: 3:21:30
